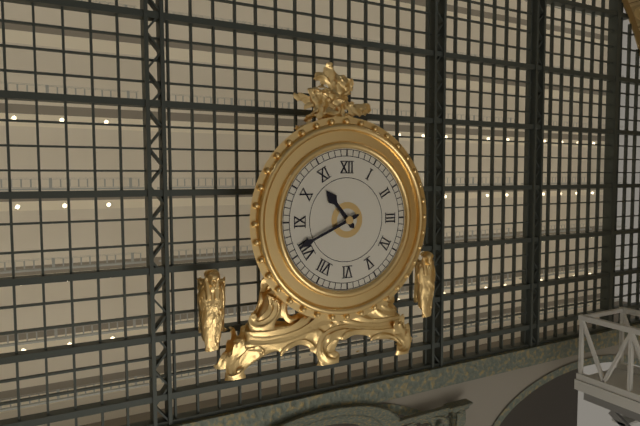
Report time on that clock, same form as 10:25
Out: 10:41
